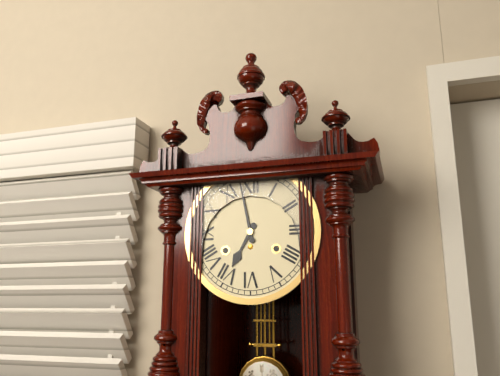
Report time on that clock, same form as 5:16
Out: 6:58
